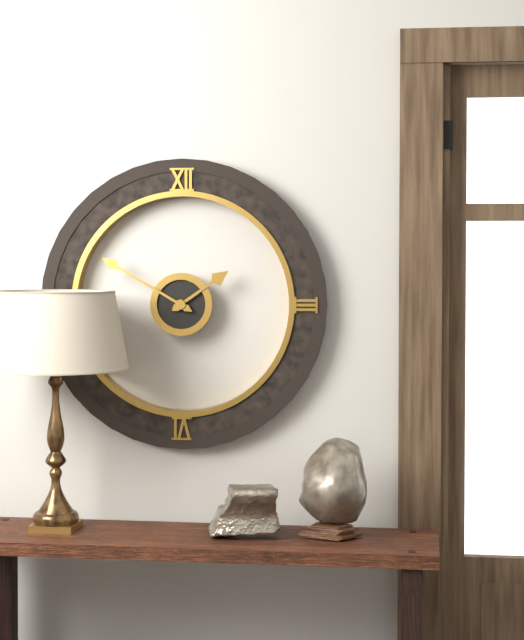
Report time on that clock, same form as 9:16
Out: 1:50
